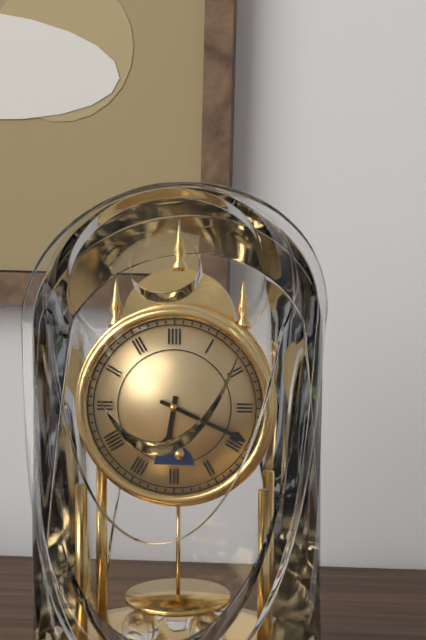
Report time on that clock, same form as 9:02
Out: 6:19
